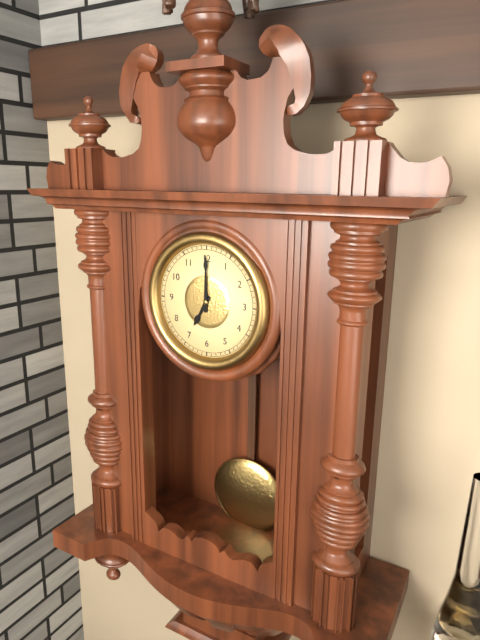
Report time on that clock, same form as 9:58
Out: 7:00
